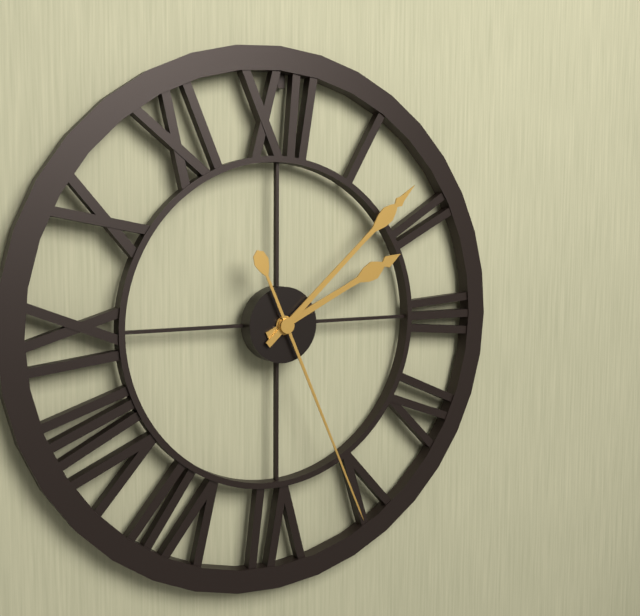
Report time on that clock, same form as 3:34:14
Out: 2:08:26
